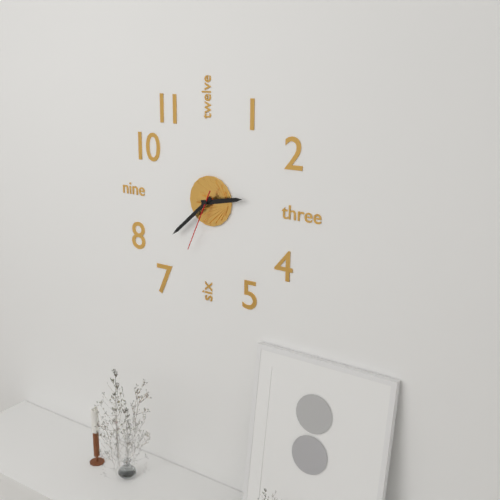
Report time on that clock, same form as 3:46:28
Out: 2:38:34
